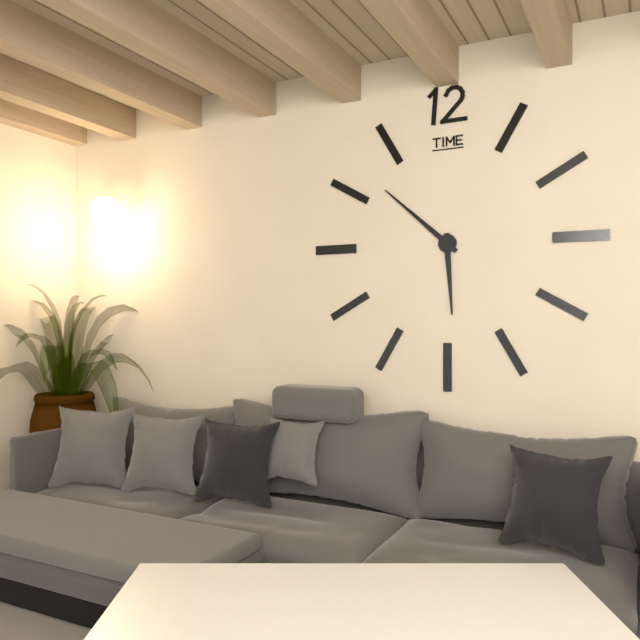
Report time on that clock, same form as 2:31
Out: 5:52
